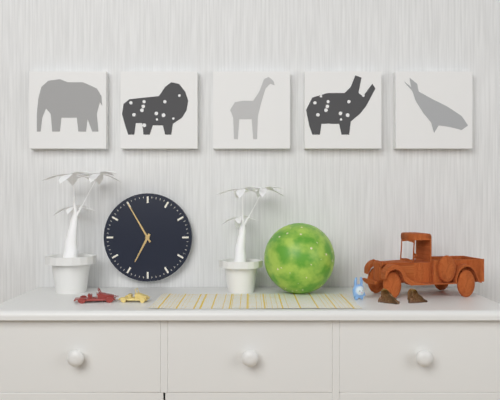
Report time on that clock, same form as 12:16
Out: 6:55
